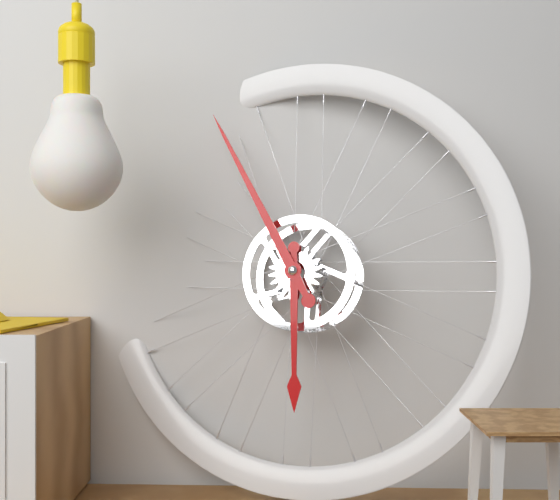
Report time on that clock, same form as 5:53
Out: 5:55
